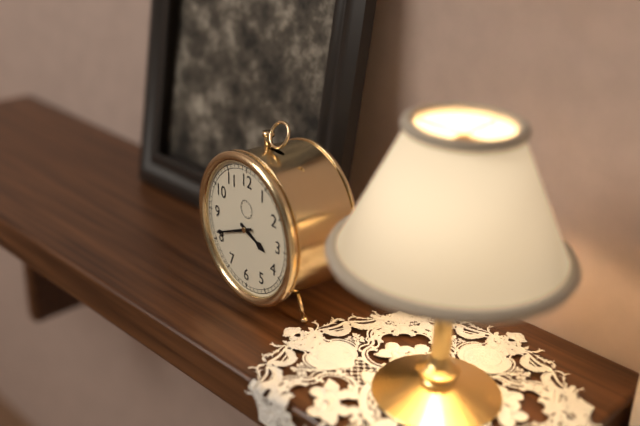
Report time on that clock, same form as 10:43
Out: 3:41
